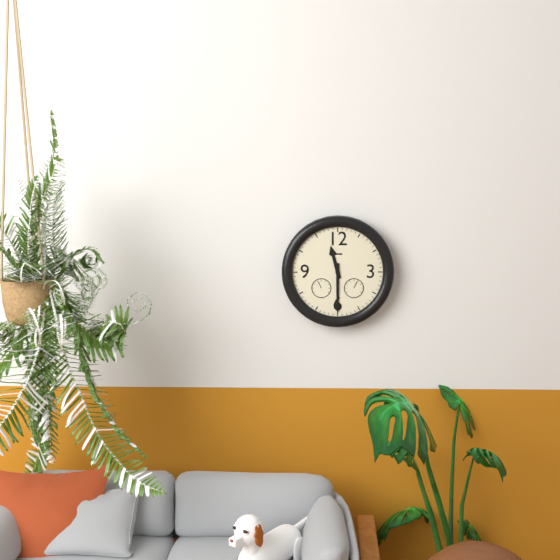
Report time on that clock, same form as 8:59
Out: 11:30
